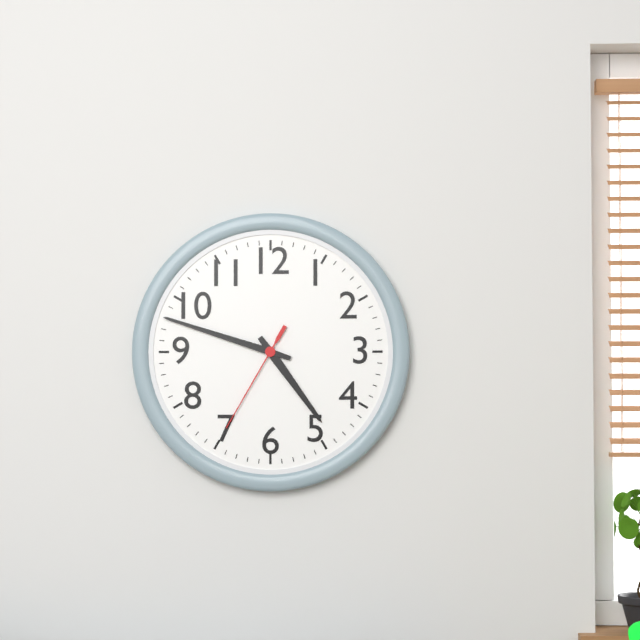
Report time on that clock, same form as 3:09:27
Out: 4:48:35
